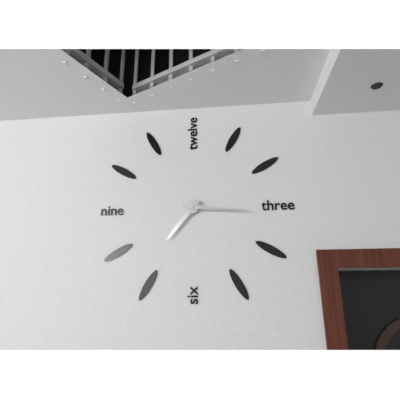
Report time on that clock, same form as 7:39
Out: 7:16
